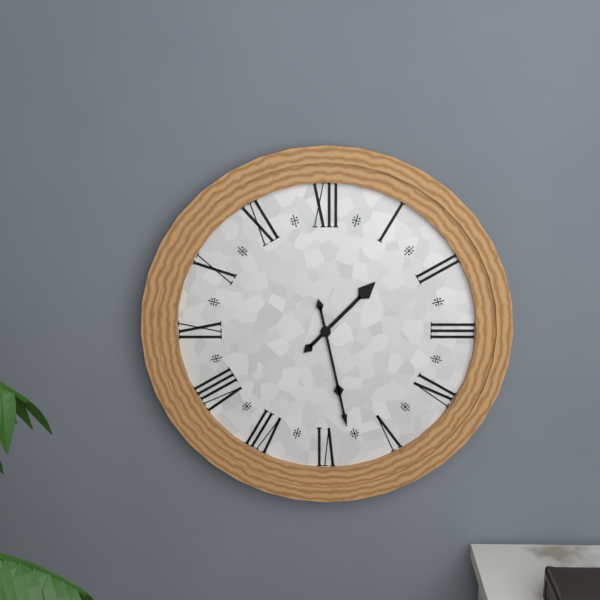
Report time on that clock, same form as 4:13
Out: 1:28
